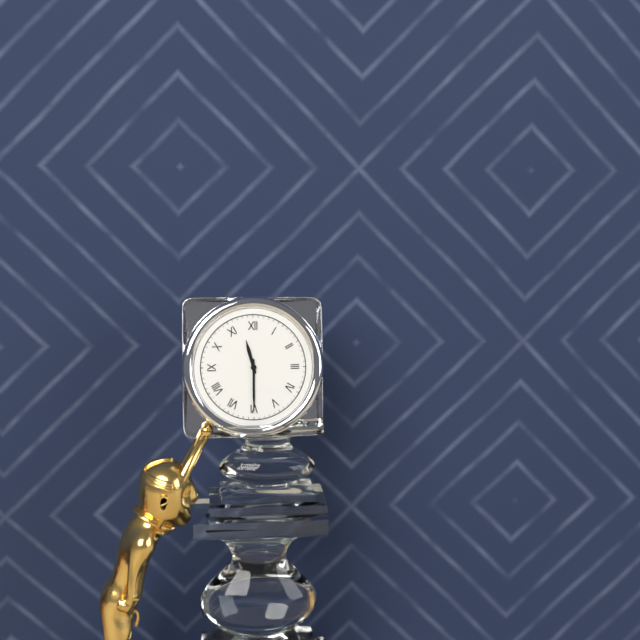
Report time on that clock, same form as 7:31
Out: 11:30
